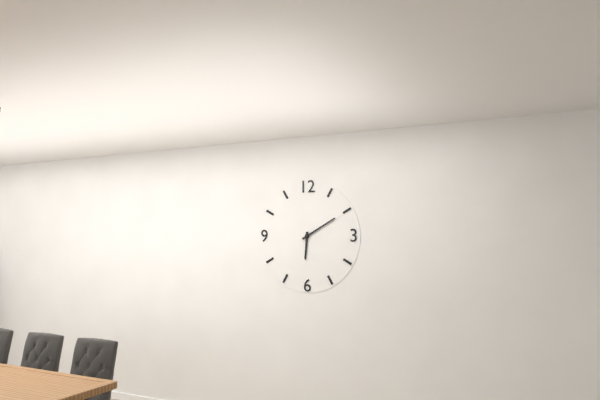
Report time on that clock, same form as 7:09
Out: 6:10
